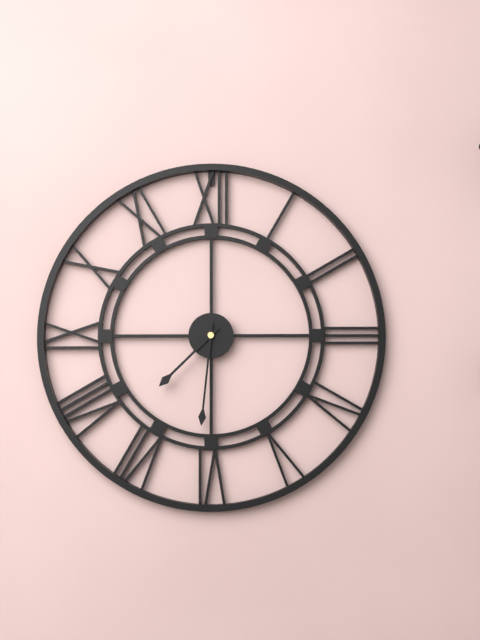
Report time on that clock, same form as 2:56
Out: 7:31
